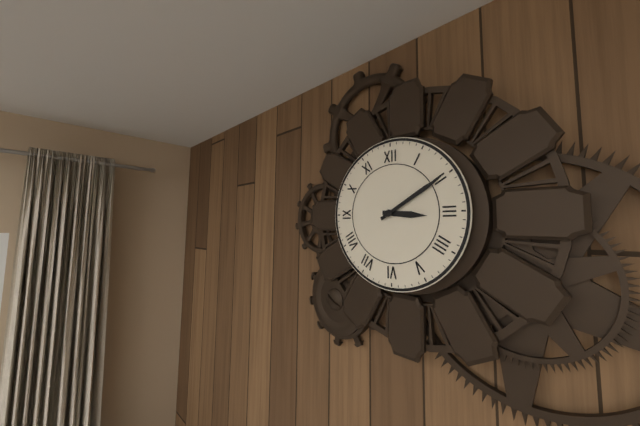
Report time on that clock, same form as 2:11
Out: 3:10
